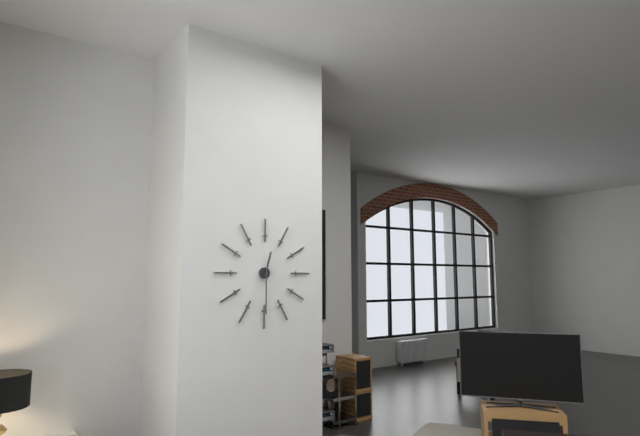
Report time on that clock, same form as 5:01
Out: 12:30
